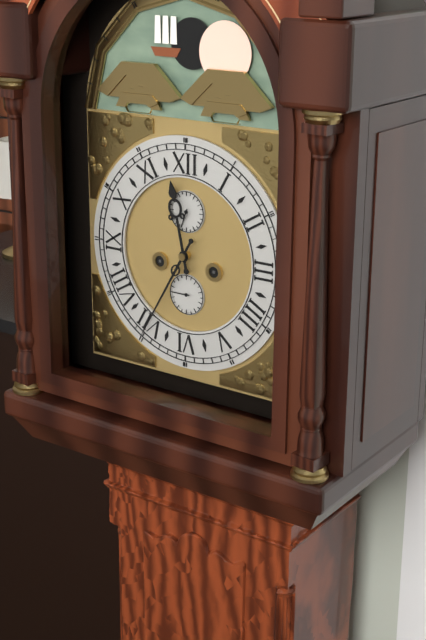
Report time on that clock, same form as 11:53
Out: 11:35
